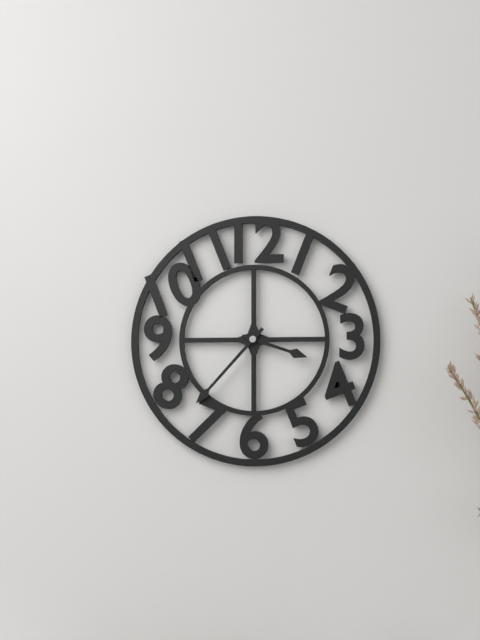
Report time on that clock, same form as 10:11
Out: 3:37
